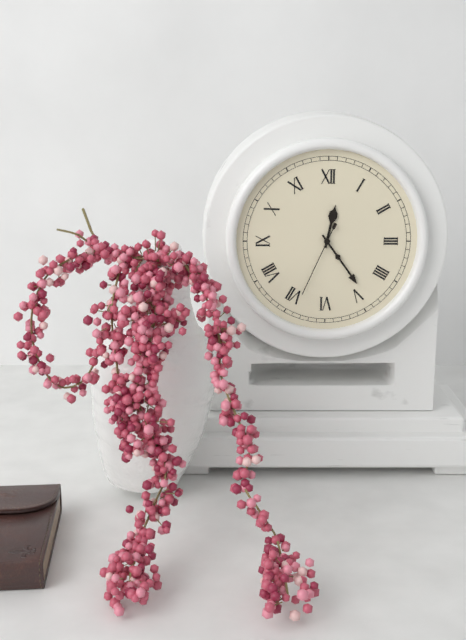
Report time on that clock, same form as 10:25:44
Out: 12:24:34
